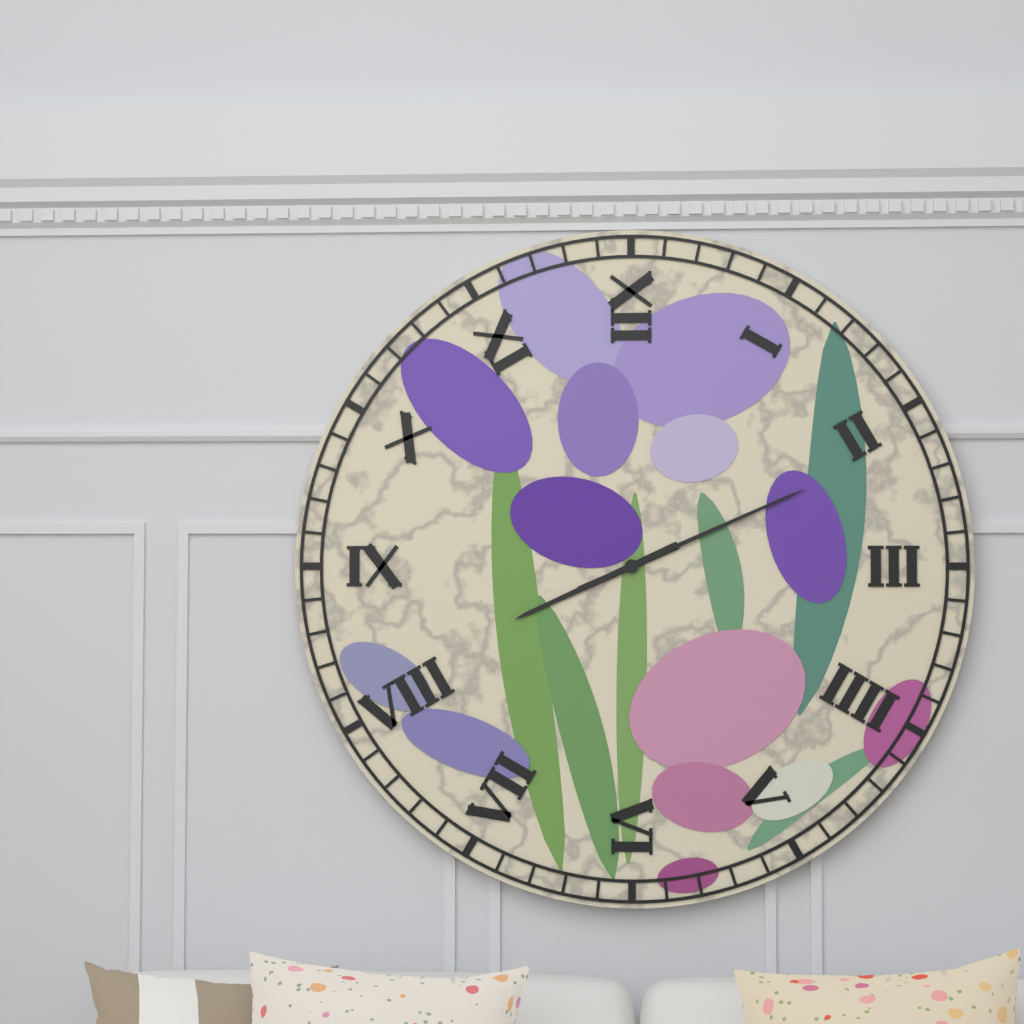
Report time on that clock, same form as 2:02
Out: 8:11
